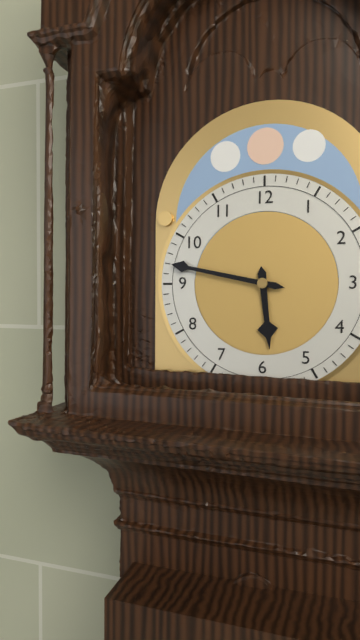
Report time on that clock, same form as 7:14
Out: 5:47
